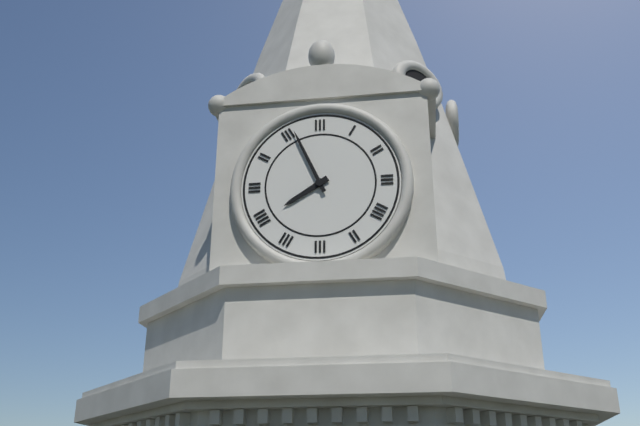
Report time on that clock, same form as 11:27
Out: 7:56
